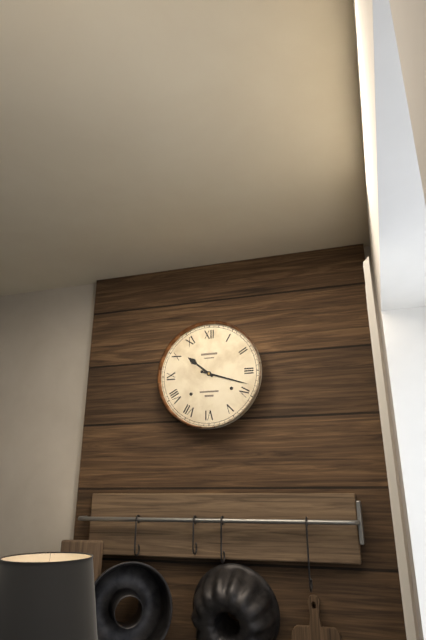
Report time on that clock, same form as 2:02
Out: 10:18
